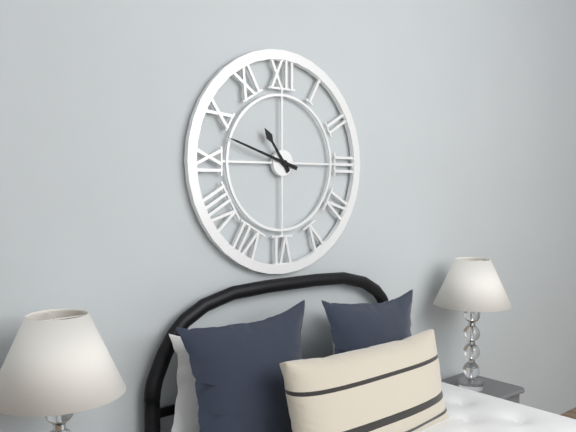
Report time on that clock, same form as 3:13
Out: 10:48
